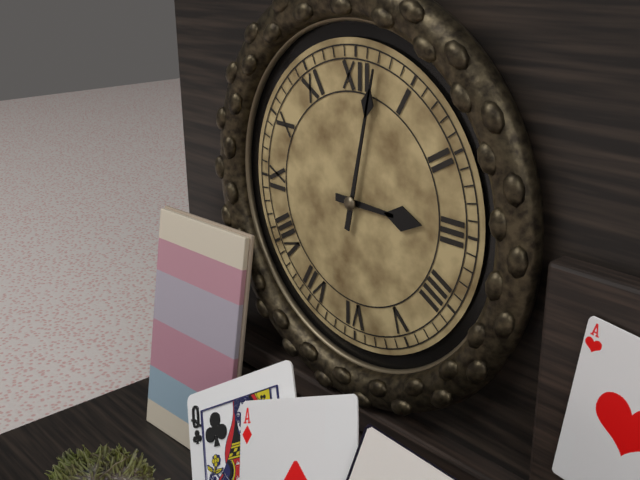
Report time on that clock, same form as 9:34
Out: 3:02
